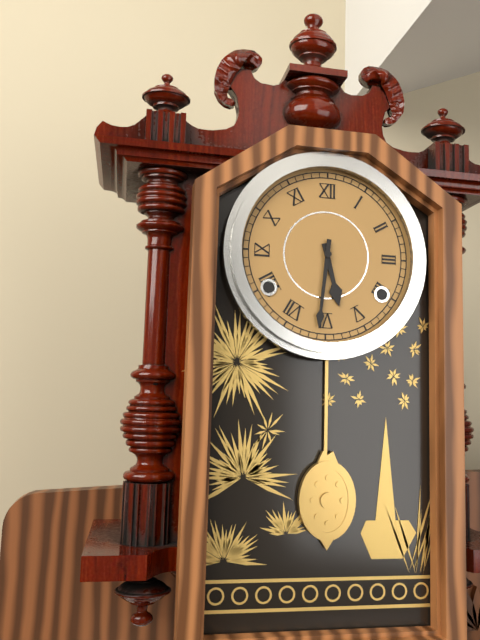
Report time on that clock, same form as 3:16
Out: 5:31
